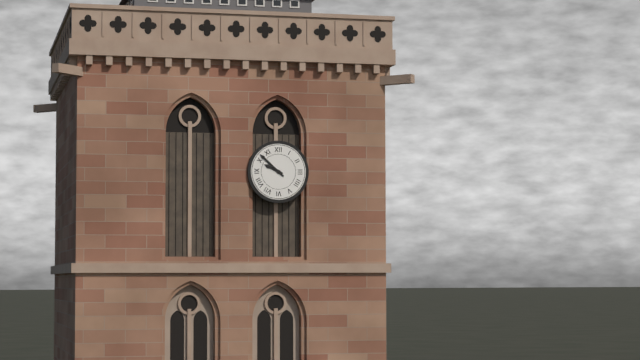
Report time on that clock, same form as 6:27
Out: 9:52
